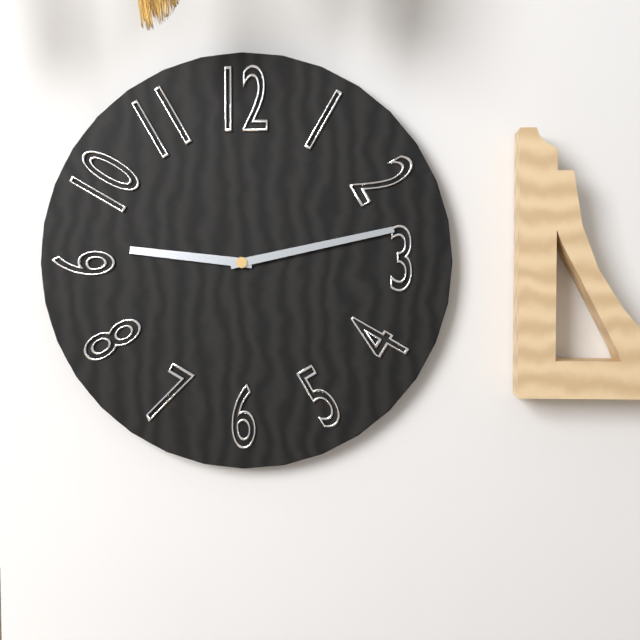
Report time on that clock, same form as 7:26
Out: 9:13
